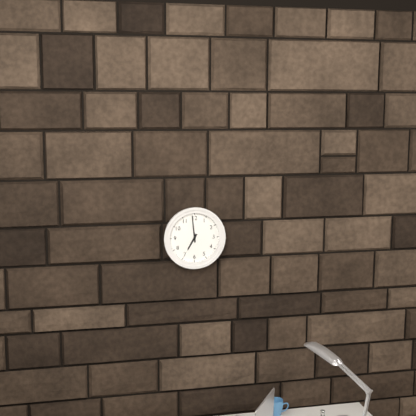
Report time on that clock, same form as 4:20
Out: 6:59
